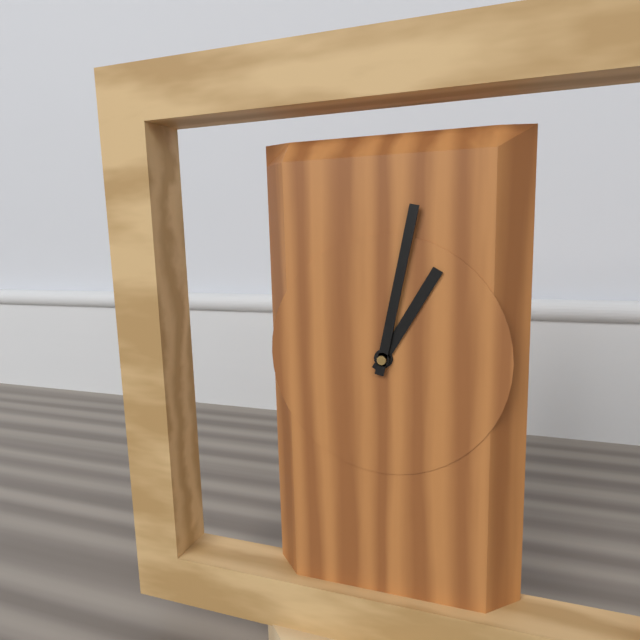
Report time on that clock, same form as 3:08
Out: 1:02
